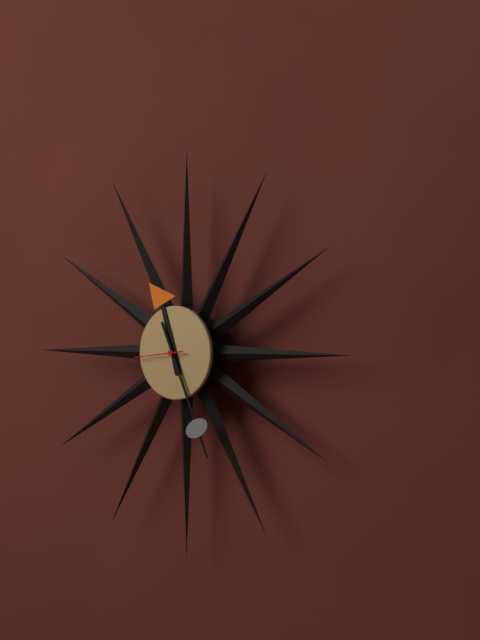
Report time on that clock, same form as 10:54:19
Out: 11:26:44
